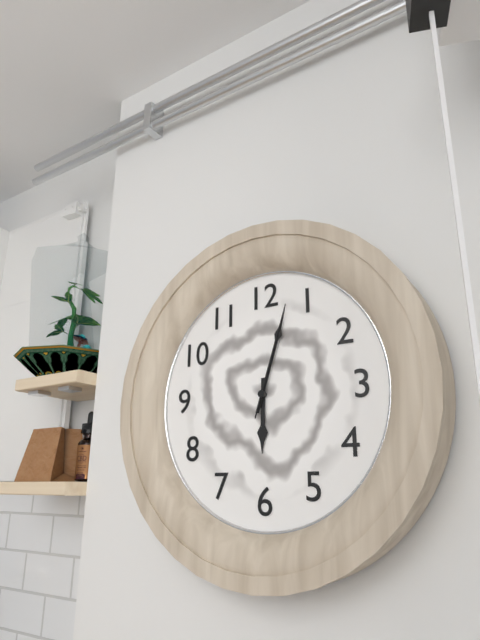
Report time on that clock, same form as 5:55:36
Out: 6:03:03
